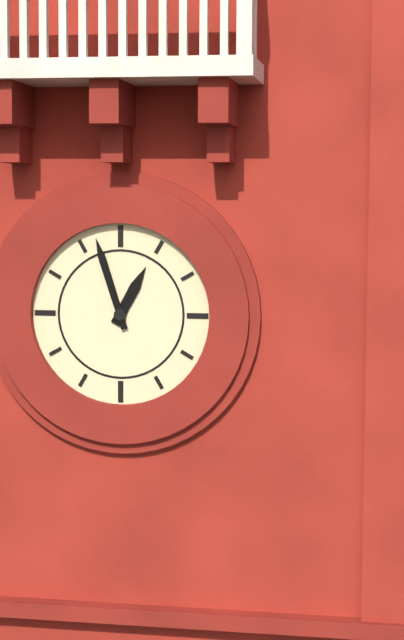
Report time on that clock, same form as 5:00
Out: 12:57
